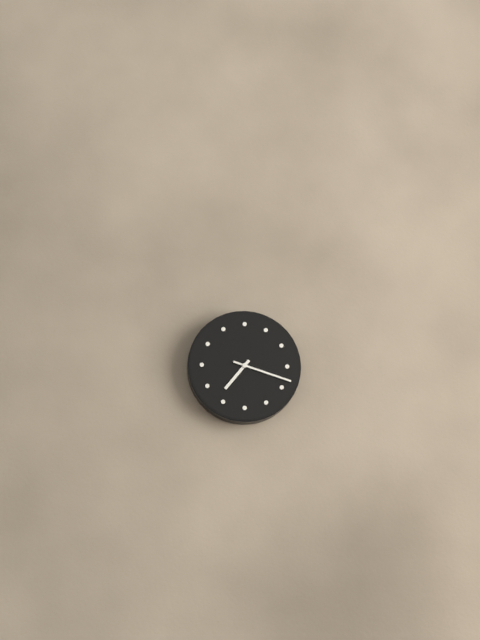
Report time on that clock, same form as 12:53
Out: 7:18
